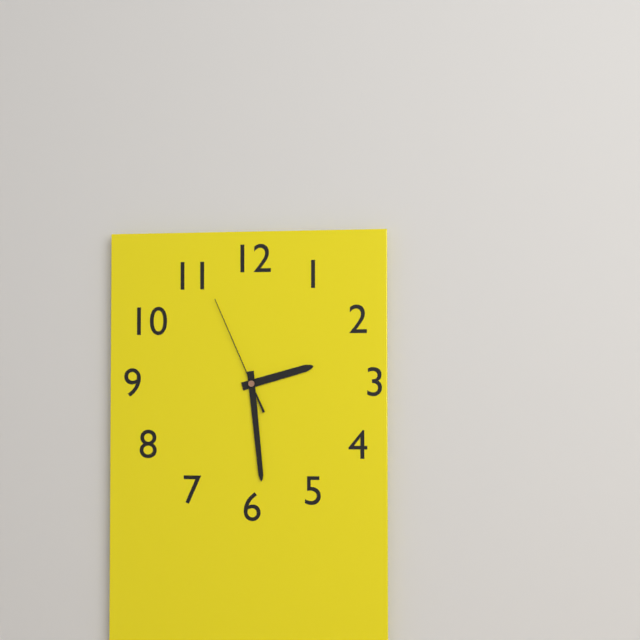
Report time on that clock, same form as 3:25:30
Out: 2:29:56
